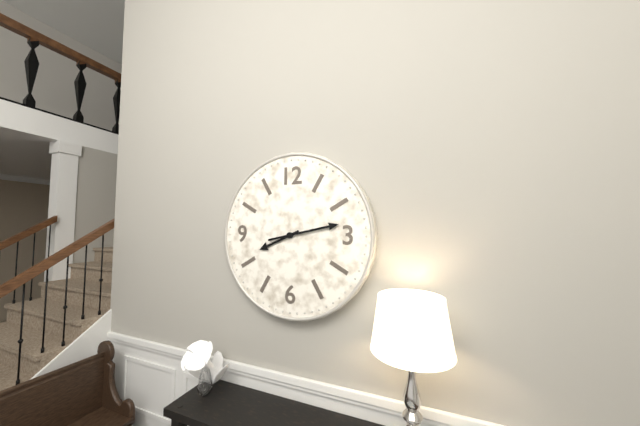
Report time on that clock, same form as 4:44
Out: 8:13
